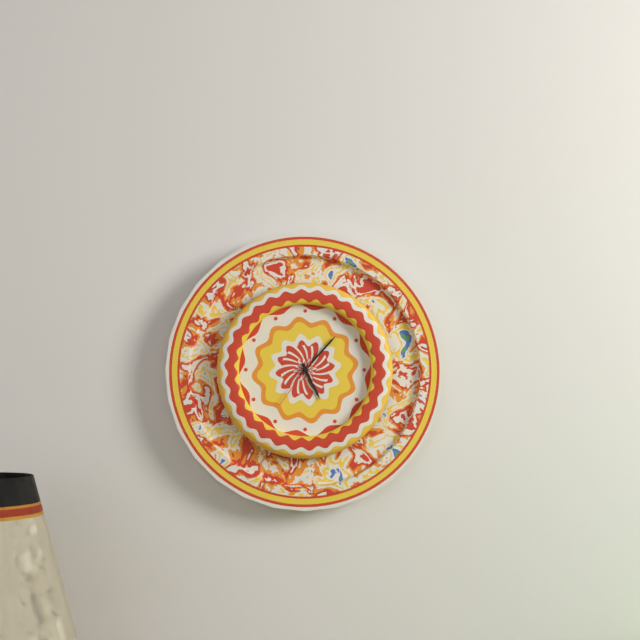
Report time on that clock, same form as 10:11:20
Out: 5:07:36
